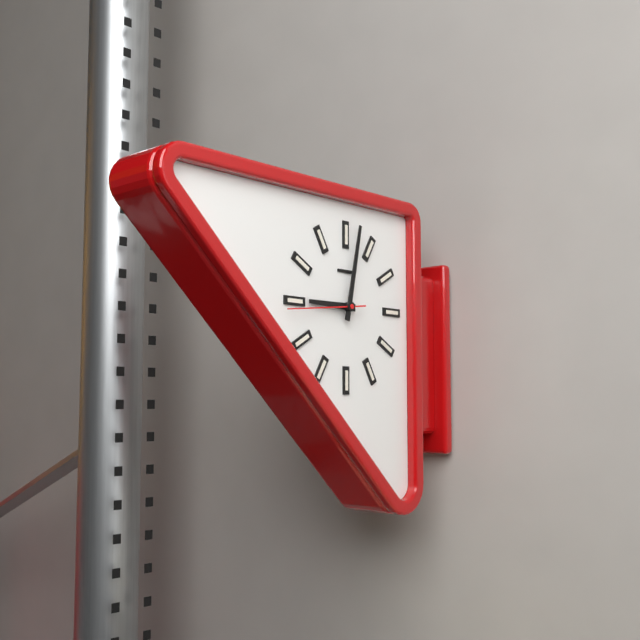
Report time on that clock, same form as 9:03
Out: 9:02
